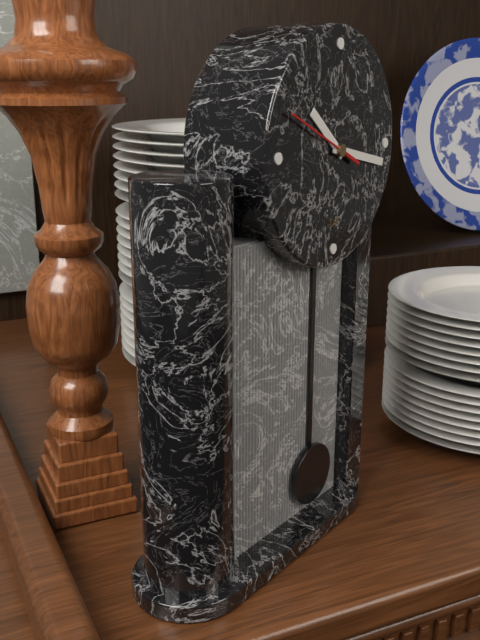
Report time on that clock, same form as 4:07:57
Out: 10:17:49
